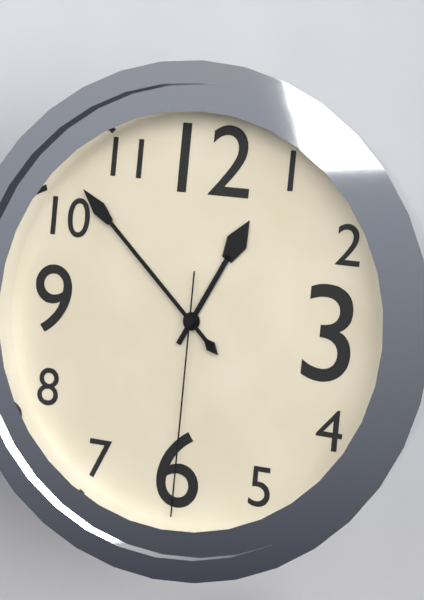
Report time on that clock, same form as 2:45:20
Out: 12:52:30
